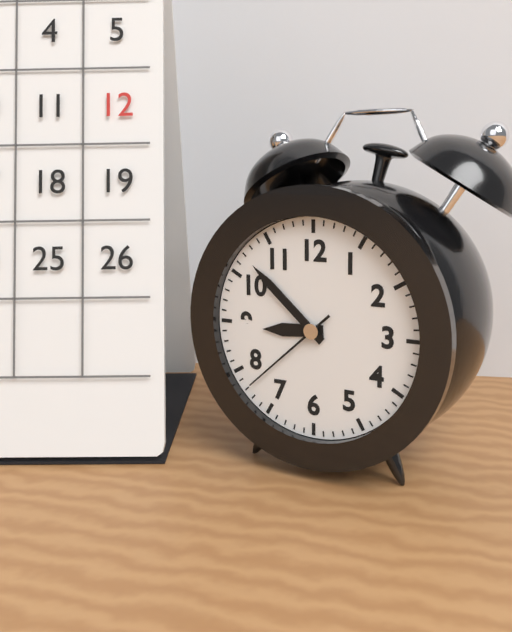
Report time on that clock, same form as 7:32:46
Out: 8:52:38
